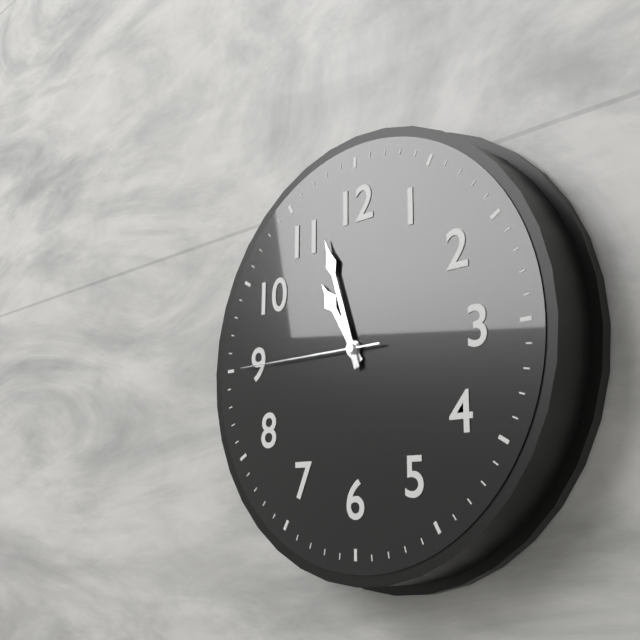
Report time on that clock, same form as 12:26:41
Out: 10:57:45
